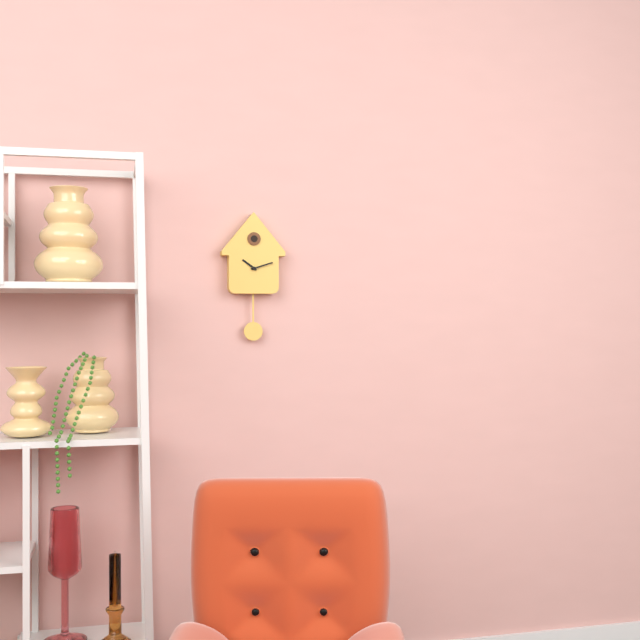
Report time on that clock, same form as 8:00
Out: 10:12
